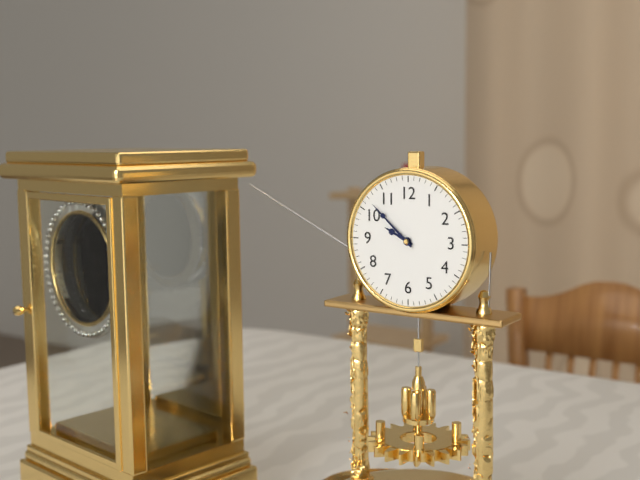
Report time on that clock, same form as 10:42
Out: 9:52
